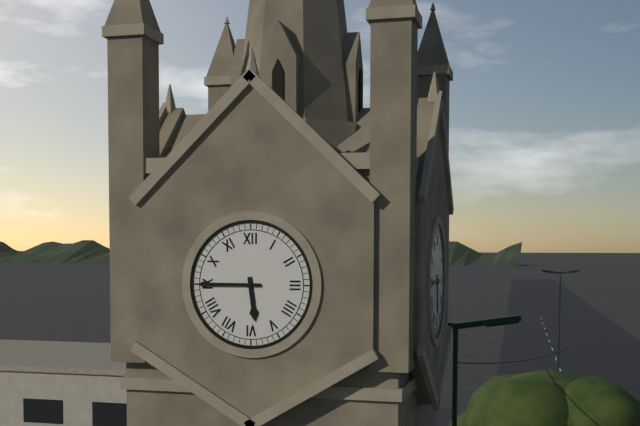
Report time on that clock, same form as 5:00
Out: 5:45
